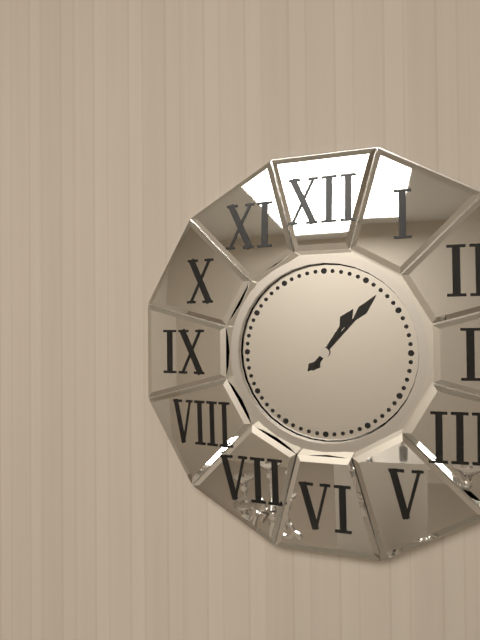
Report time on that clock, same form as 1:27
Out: 1:07
